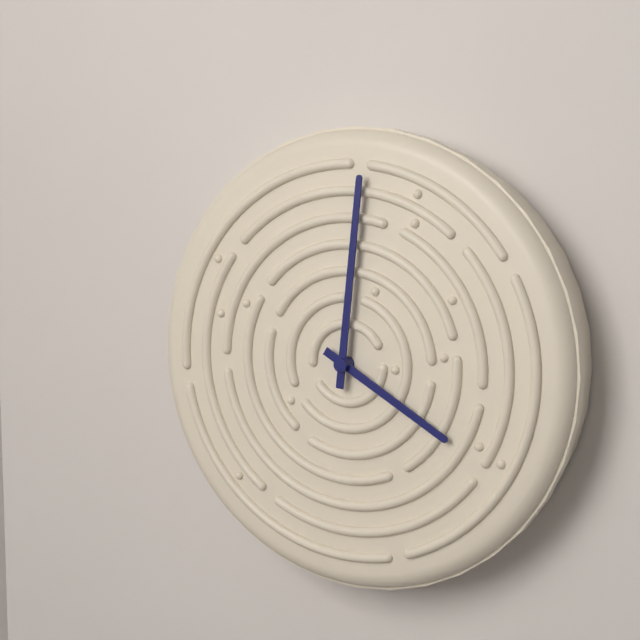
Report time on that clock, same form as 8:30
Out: 4:01
